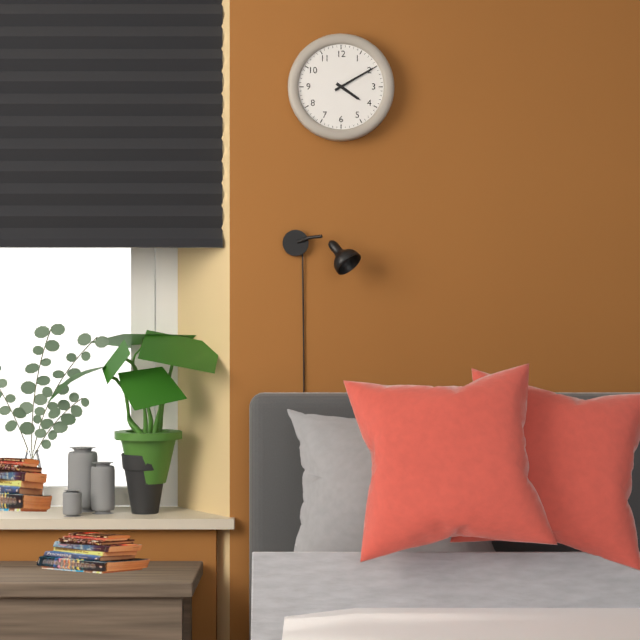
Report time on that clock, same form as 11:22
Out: 4:10
